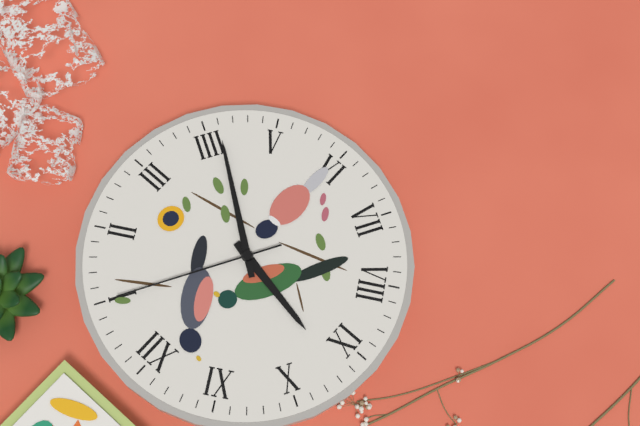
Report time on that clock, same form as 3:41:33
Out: 9:21:05
